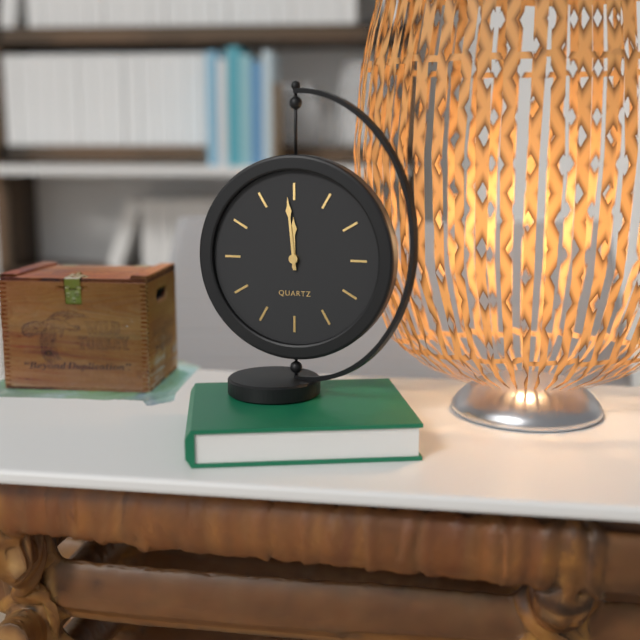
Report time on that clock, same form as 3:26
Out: 11:59
